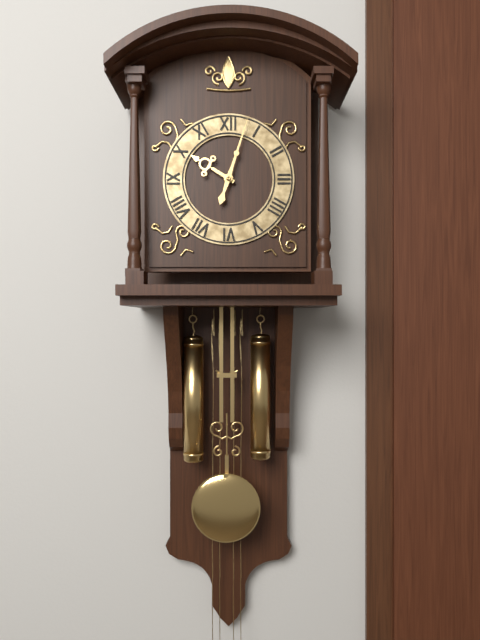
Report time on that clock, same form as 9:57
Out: 10:03
